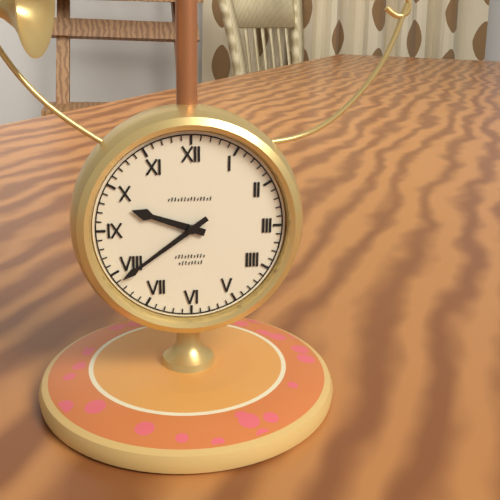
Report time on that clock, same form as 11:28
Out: 9:39
